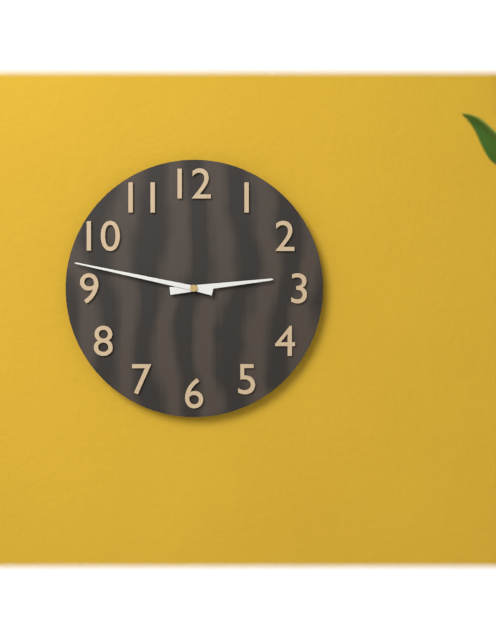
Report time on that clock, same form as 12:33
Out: 2:47
